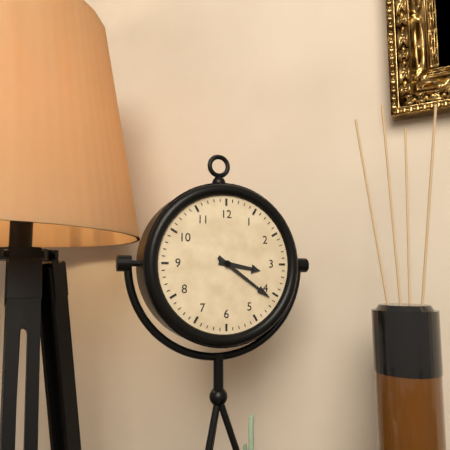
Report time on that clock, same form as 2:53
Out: 3:21
